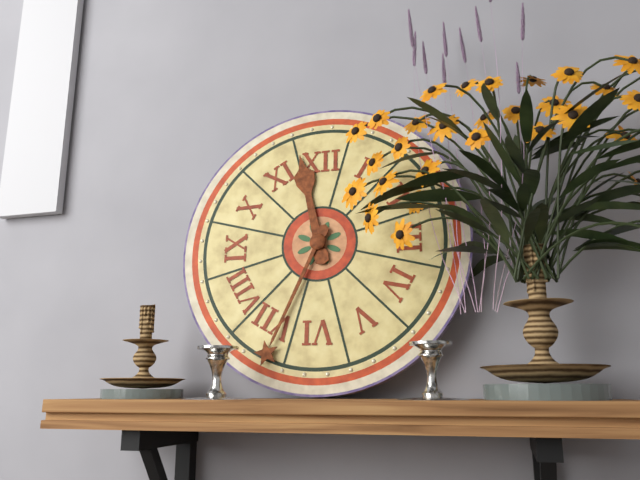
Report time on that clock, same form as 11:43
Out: 11:34
